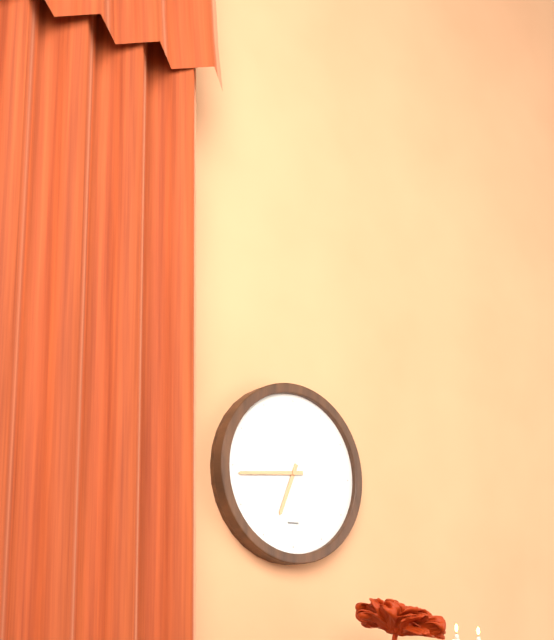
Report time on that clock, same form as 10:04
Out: 6:44
